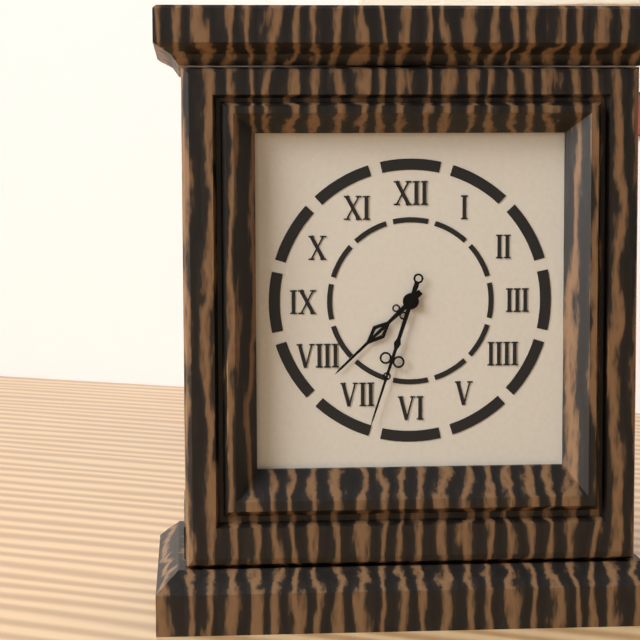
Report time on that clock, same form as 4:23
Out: 7:33
